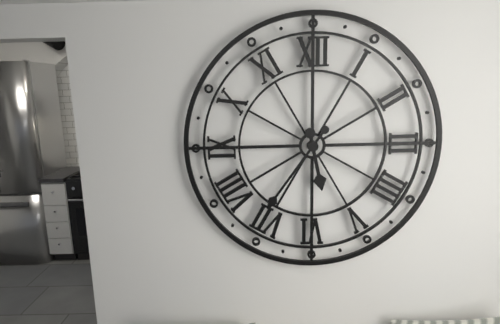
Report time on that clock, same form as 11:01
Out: 5:36
